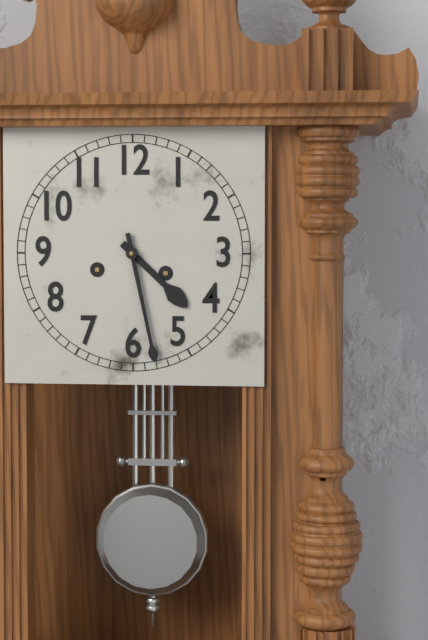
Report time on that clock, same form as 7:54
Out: 4:28
